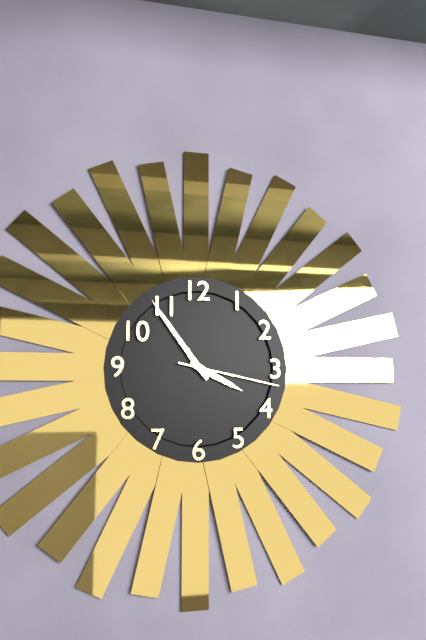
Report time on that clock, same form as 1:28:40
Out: 3:54:17
